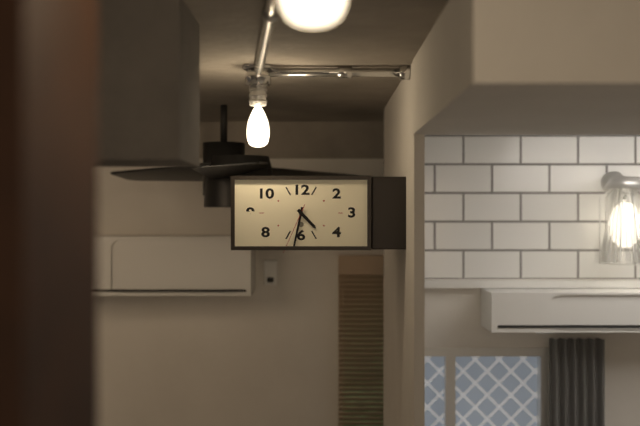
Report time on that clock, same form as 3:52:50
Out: 4:32:34
